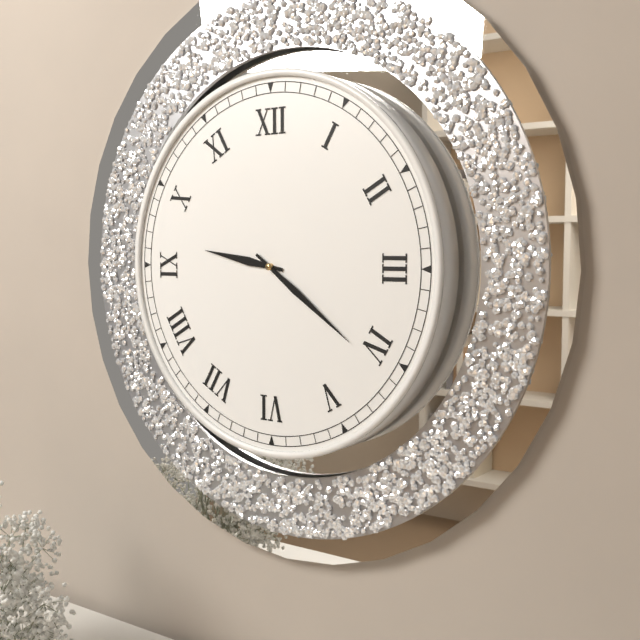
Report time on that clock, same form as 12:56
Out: 9:21
